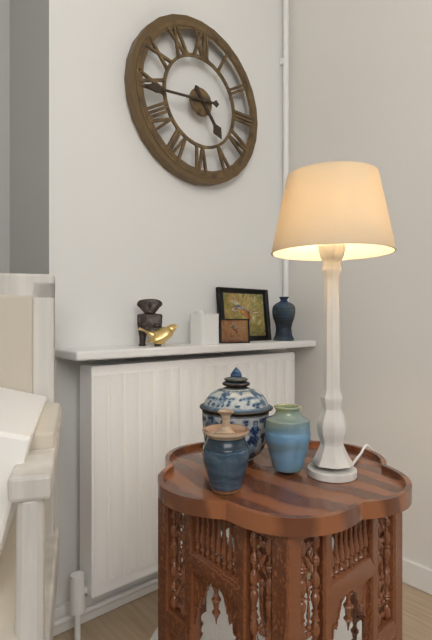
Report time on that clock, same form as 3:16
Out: 4:44
